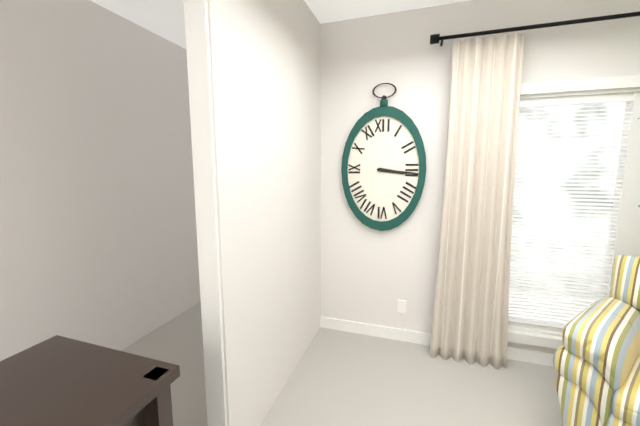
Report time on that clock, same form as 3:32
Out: 3:16
